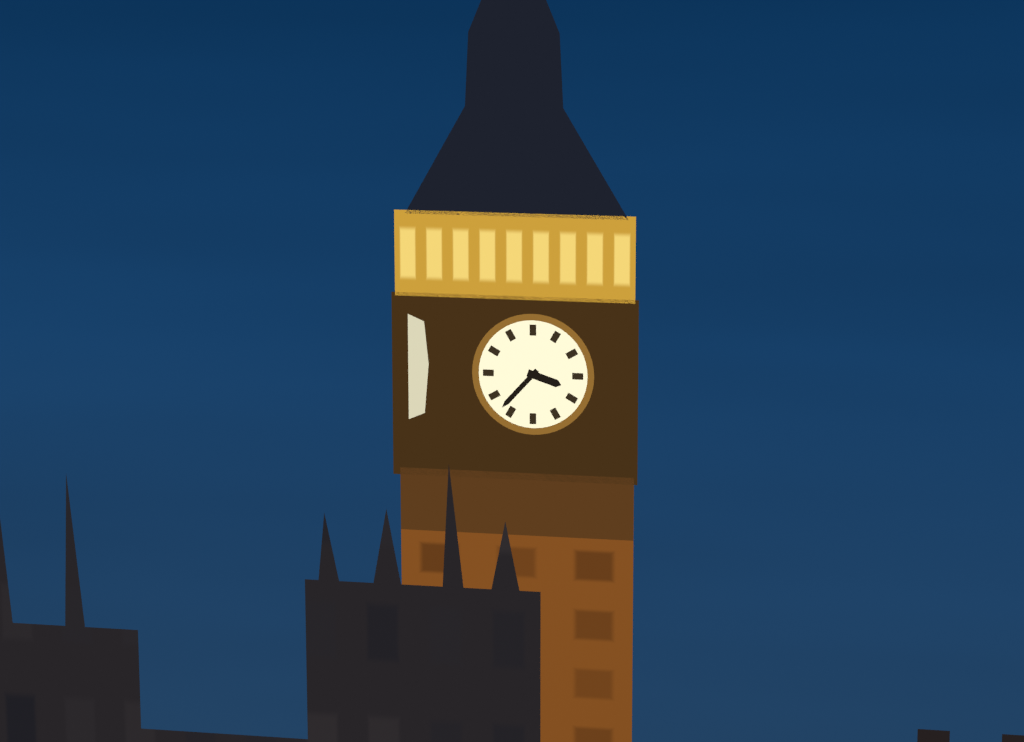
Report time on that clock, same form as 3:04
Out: 3:37
